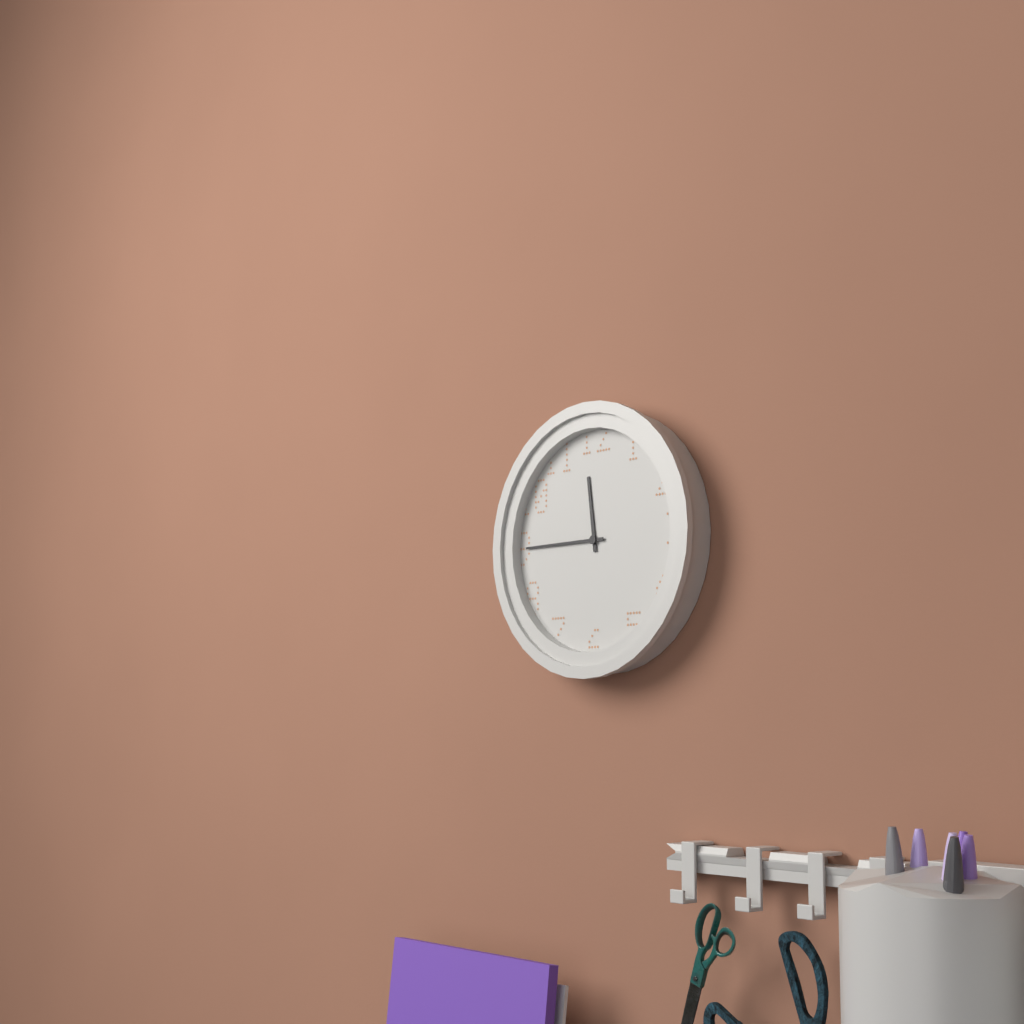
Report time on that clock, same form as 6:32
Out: 11:45
